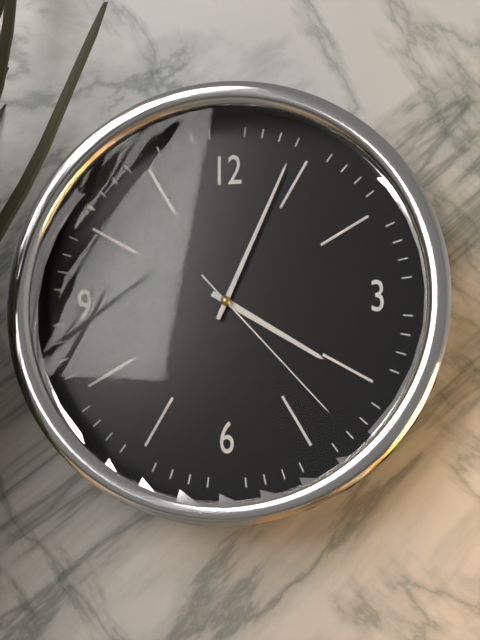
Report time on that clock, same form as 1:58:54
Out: 4:04:23
